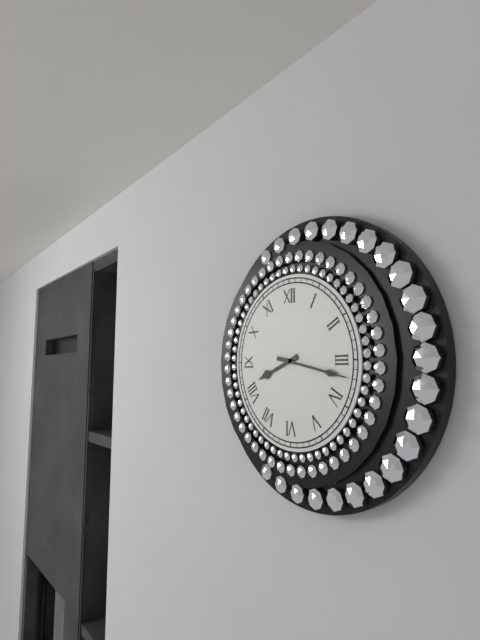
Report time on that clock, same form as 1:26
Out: 8:17
